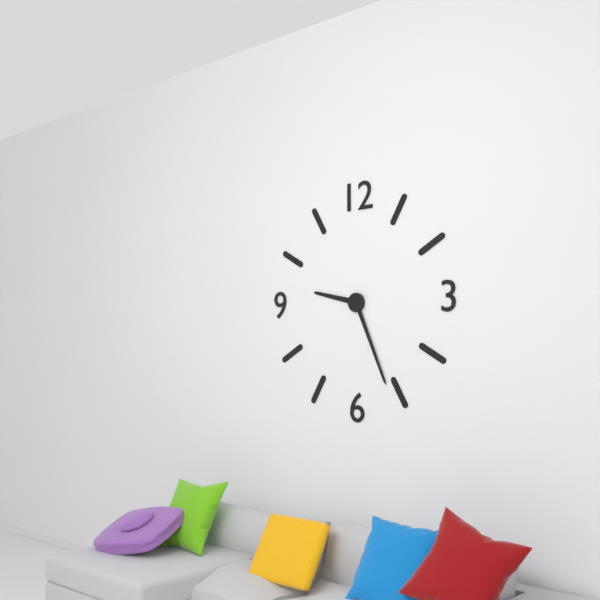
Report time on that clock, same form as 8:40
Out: 9:26
